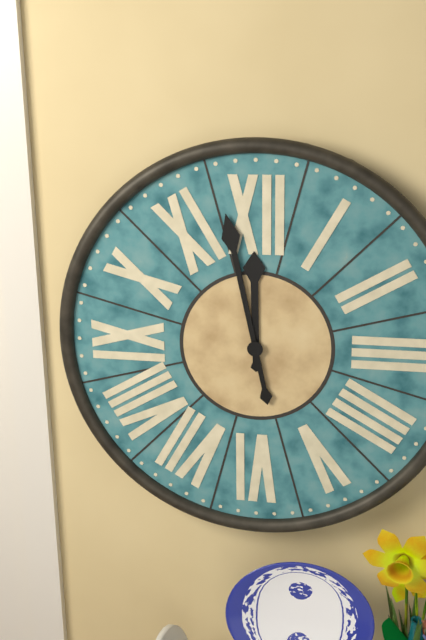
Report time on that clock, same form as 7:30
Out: 11:58
